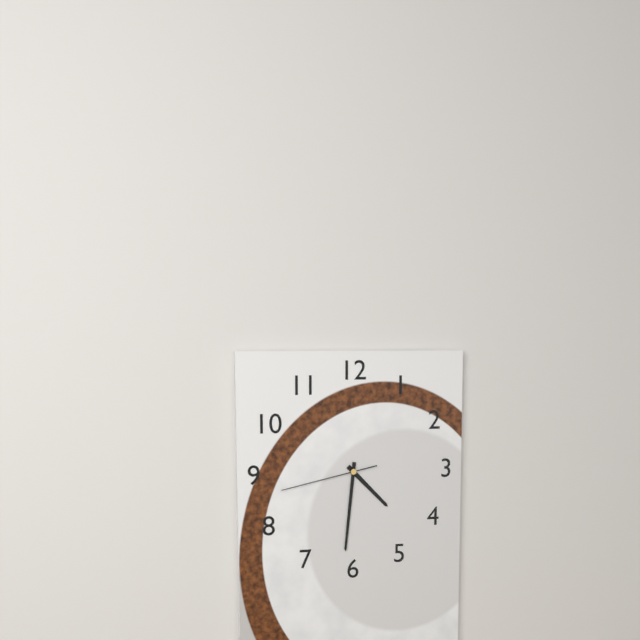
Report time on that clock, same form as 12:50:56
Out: 4:31:43
